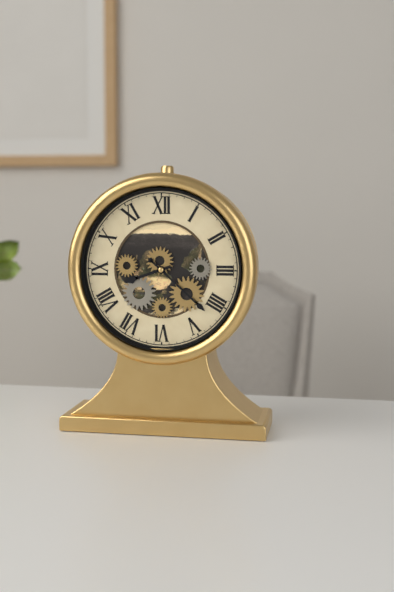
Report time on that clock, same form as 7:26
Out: 8:22
